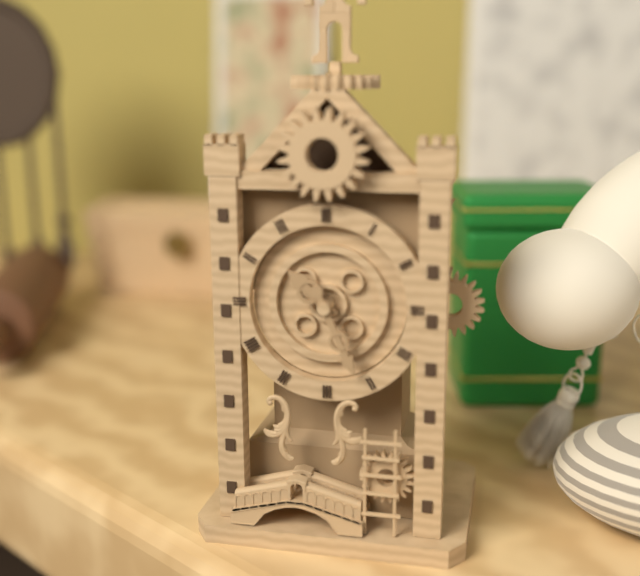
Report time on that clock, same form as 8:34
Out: 10:26
